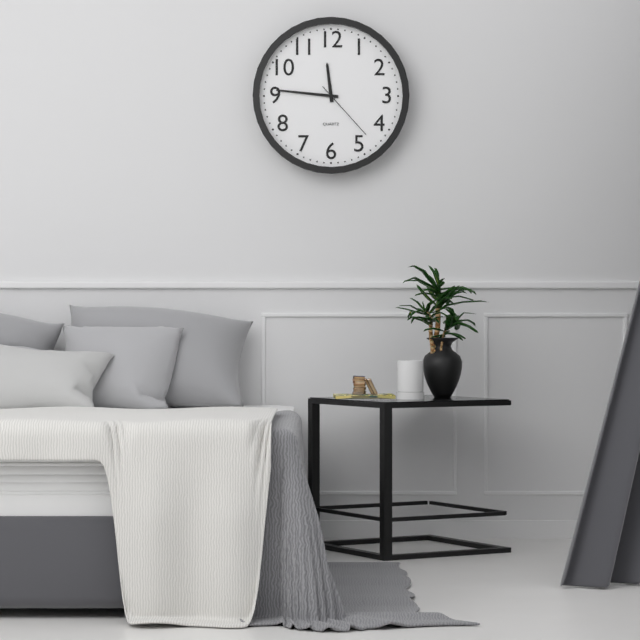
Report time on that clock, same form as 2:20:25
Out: 11:46:23
